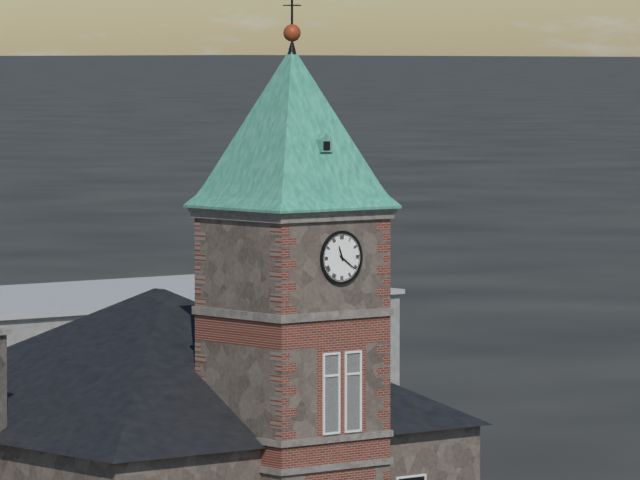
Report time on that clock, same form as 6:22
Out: 11:21
